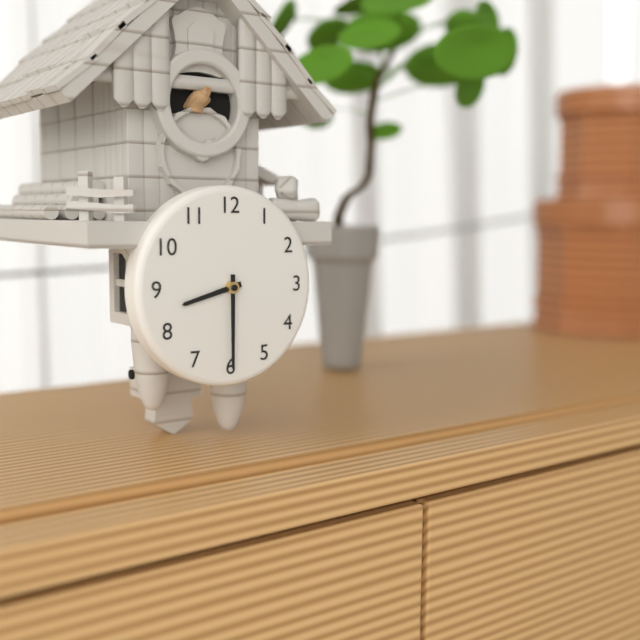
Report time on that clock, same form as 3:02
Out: 8:30
